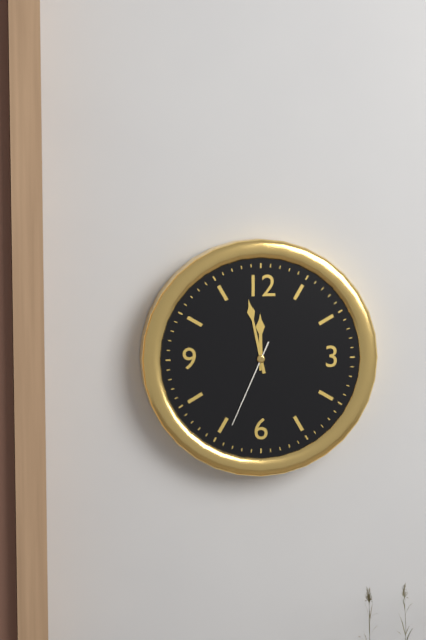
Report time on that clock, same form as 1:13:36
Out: 11:58:34
